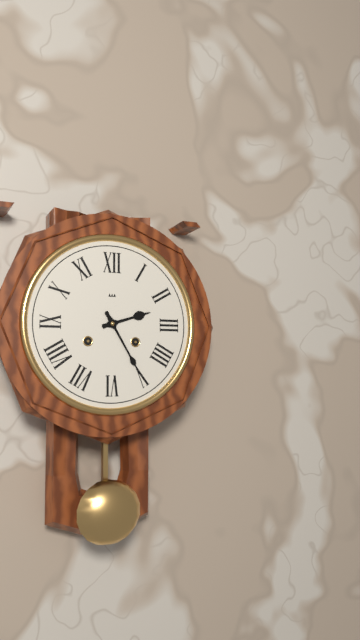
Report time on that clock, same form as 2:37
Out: 2:25
